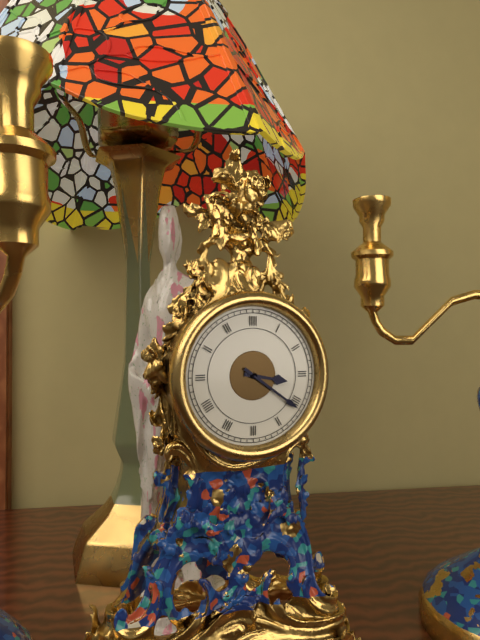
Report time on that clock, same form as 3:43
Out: 3:21
